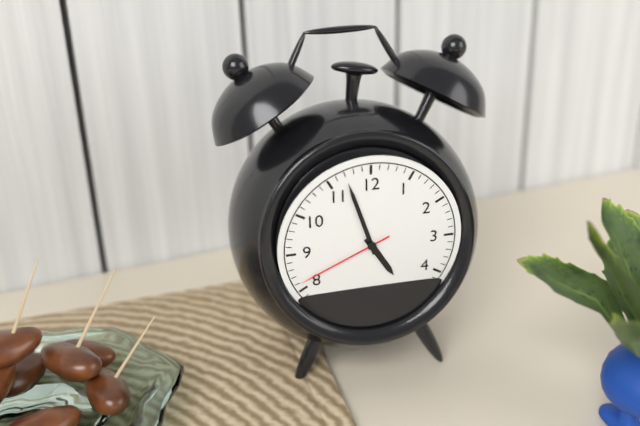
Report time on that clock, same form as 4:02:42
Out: 4:57:41
